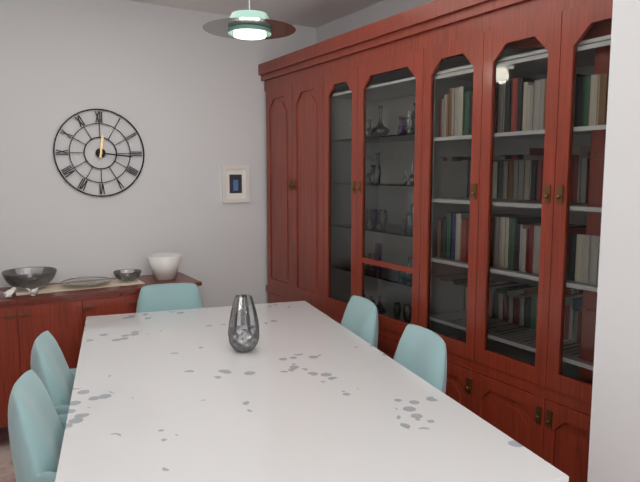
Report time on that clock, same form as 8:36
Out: 12:16
